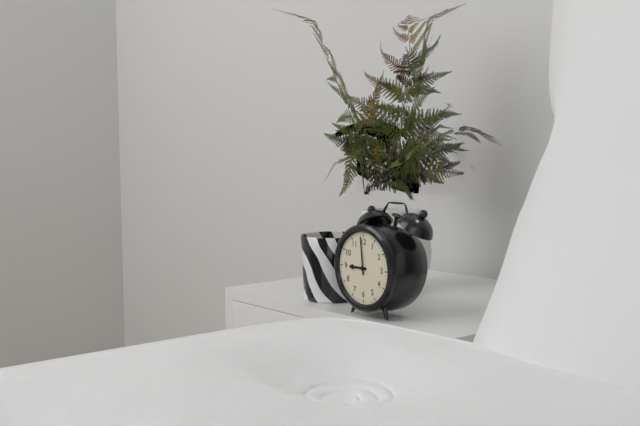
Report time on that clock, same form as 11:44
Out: 8:59
